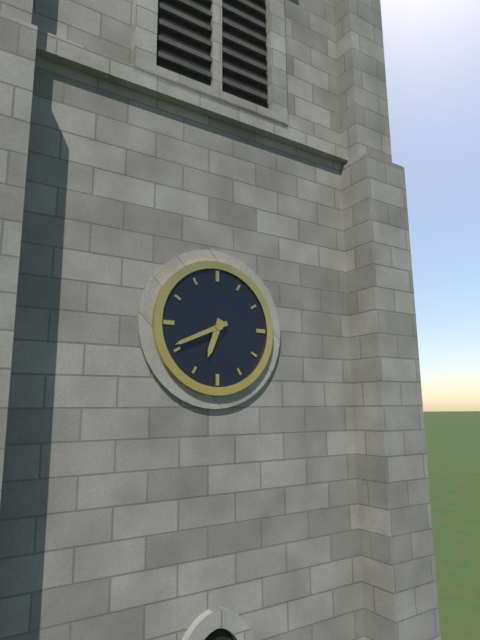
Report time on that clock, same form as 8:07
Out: 6:41
